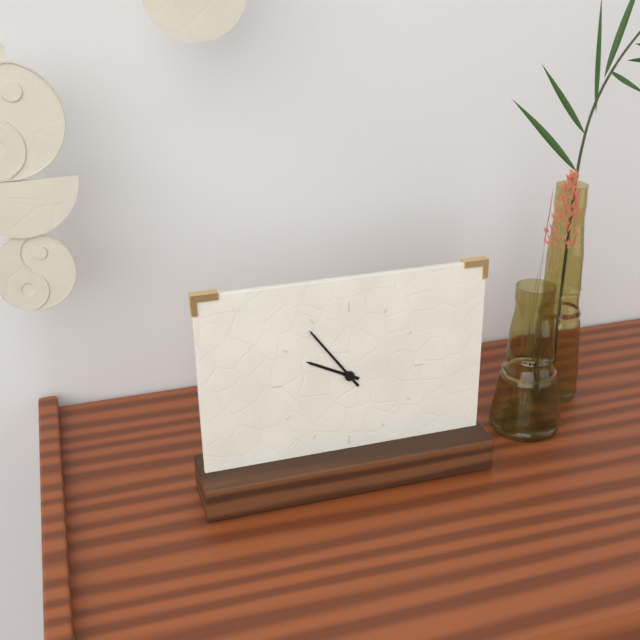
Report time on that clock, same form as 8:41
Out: 9:54
